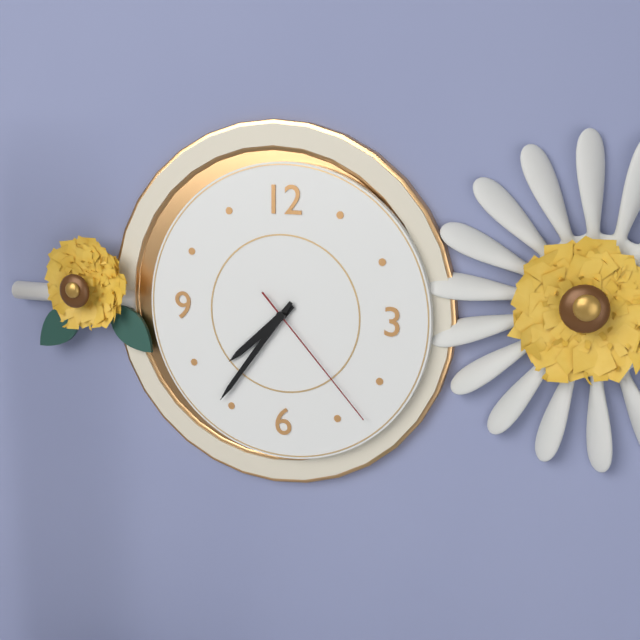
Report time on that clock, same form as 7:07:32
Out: 7:36:23
